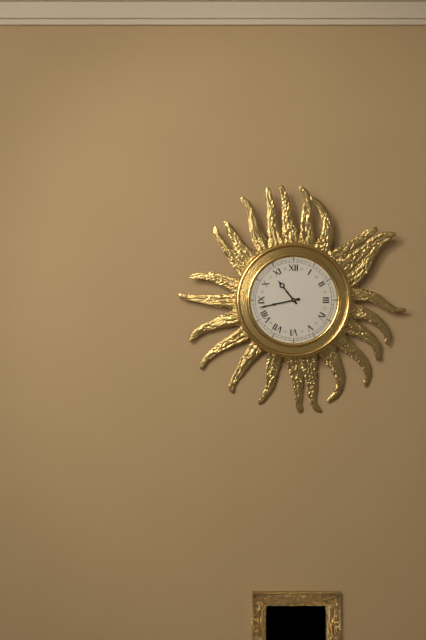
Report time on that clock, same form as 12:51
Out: 10:43
